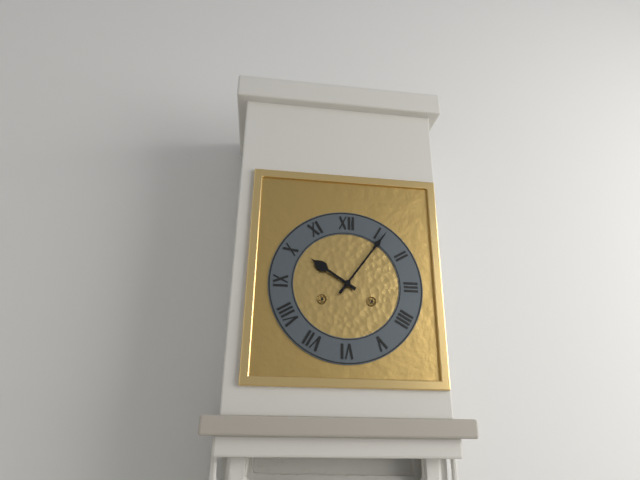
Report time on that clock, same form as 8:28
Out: 10:06
